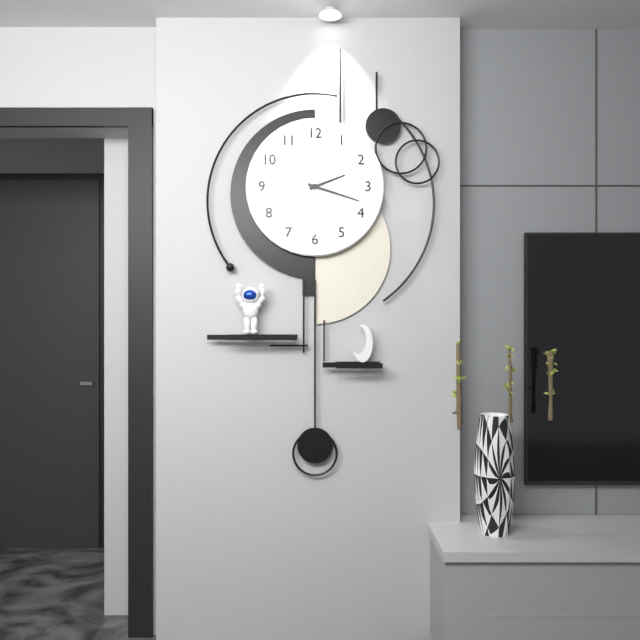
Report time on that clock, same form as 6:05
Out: 2:18
